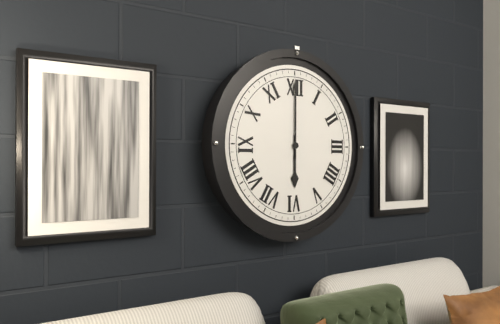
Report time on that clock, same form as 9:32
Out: 6:00
